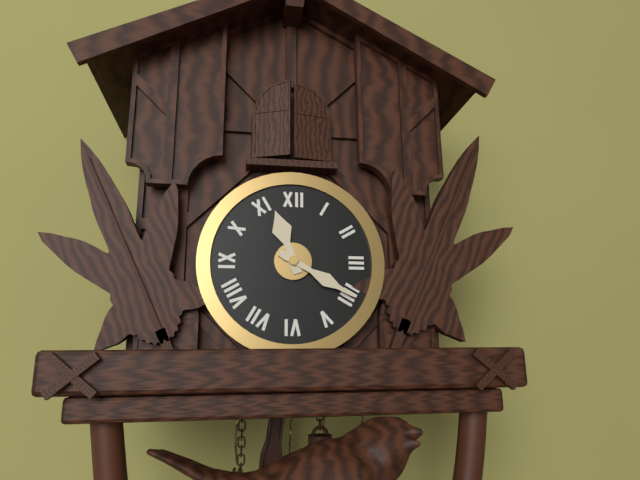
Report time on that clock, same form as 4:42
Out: 11:20
